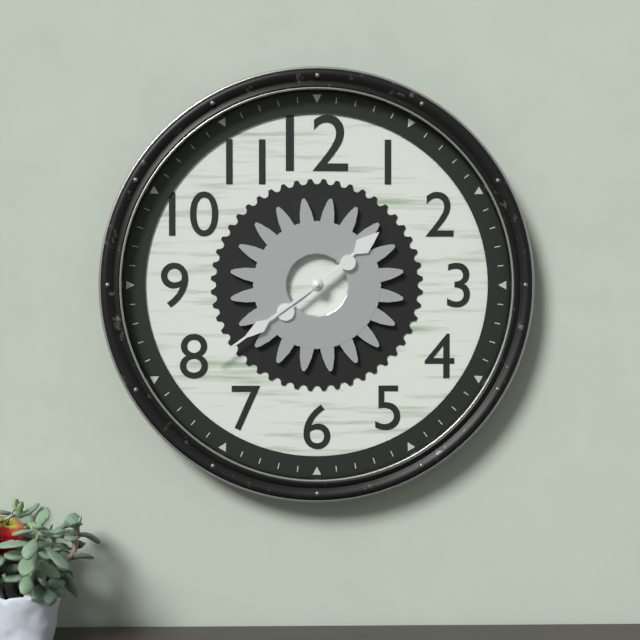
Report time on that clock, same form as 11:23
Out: 1:39
